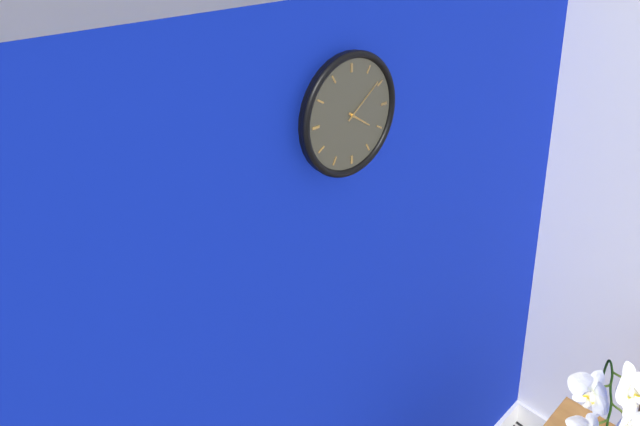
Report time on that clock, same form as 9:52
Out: 4:09
